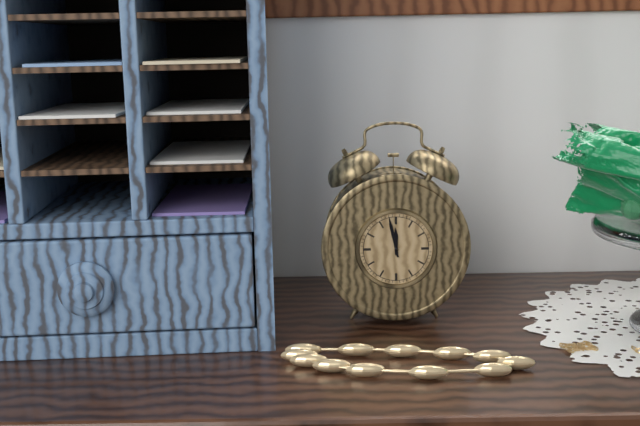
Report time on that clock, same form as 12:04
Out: 11:58
